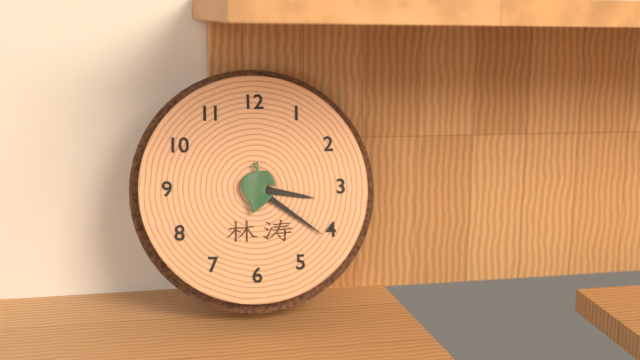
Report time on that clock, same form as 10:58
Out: 3:21
